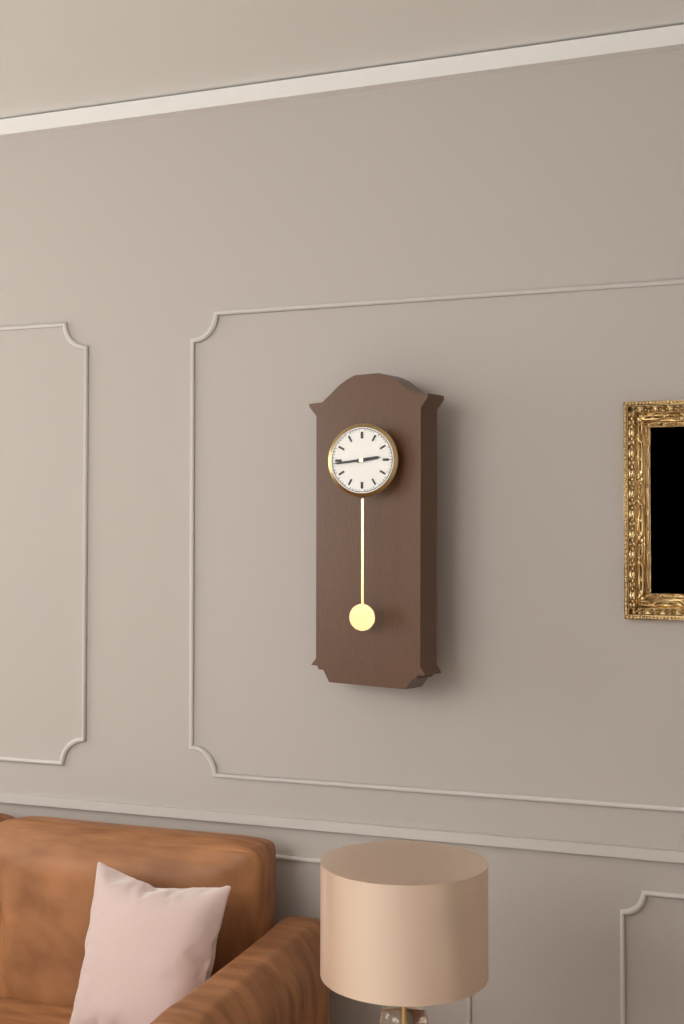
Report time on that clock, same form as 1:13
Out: 2:44
